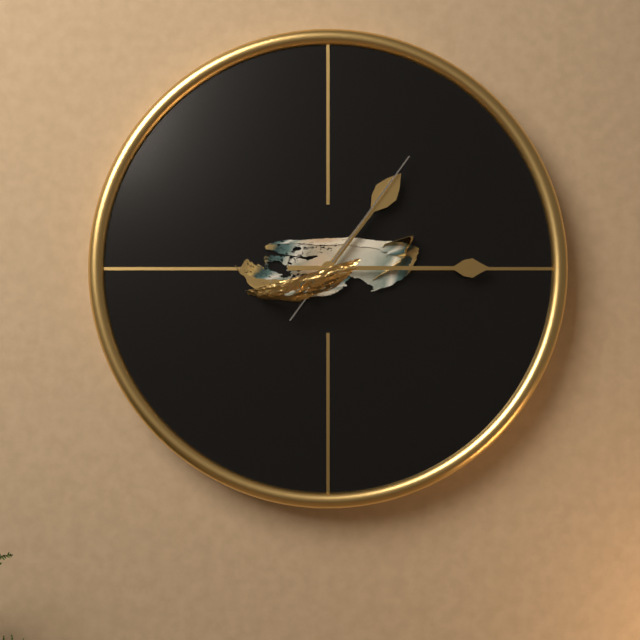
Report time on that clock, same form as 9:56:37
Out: 1:15:06
